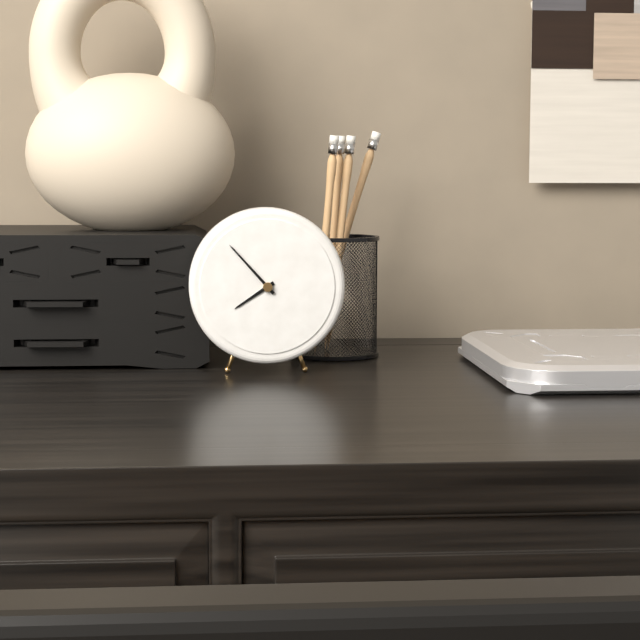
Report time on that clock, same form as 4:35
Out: 7:53
